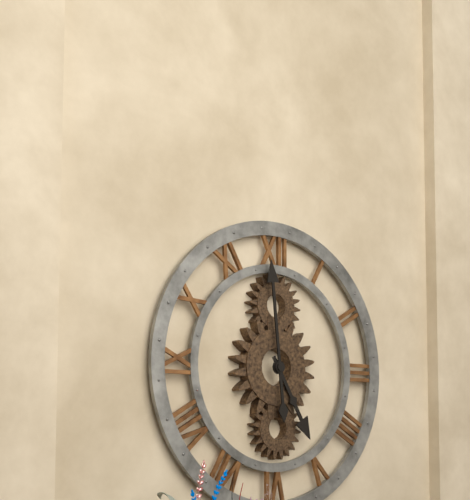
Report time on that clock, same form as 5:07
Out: 4:59
